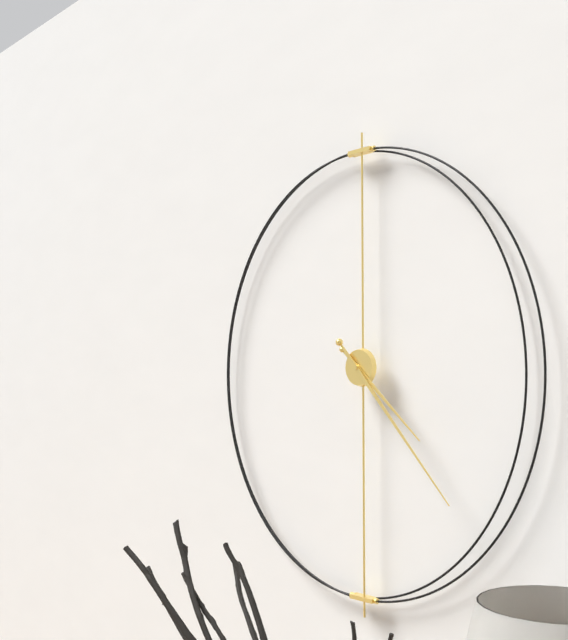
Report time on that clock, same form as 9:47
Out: 4:23
